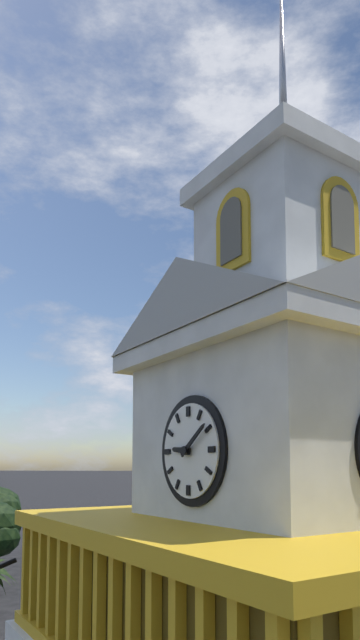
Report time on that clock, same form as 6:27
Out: 9:09
